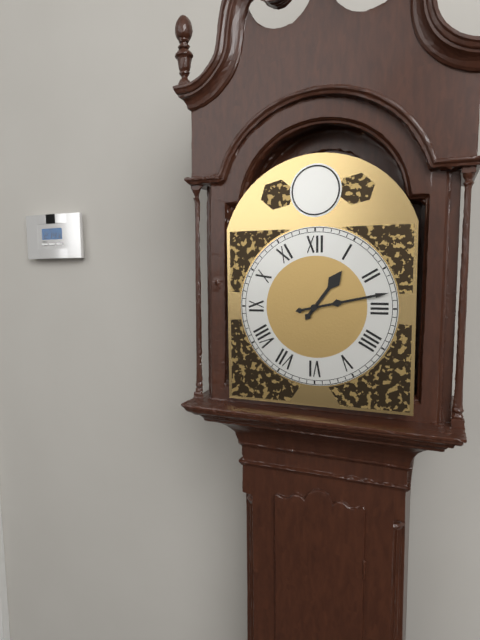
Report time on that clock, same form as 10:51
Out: 1:13
